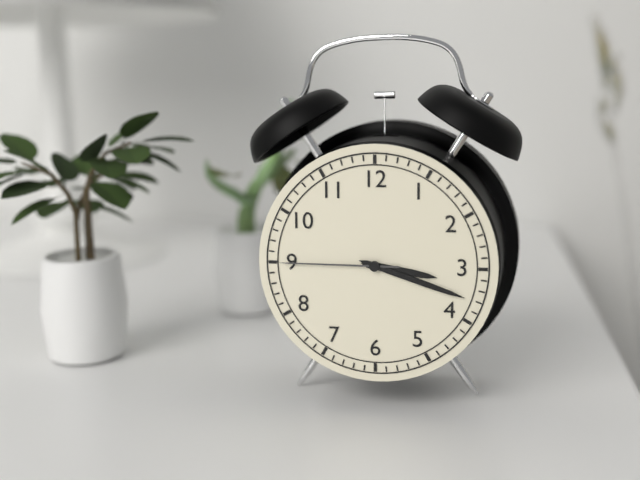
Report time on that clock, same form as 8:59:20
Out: 3:18:45
